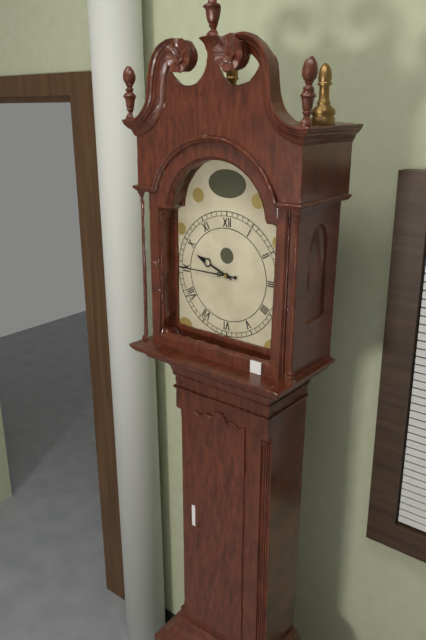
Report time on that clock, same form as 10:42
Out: 9:45
